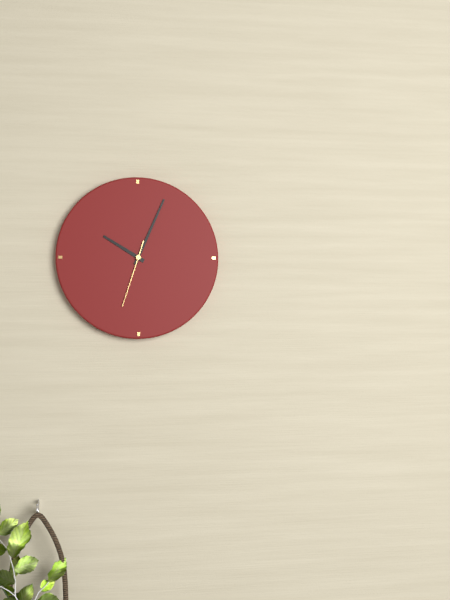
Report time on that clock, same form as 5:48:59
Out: 10:04:33
